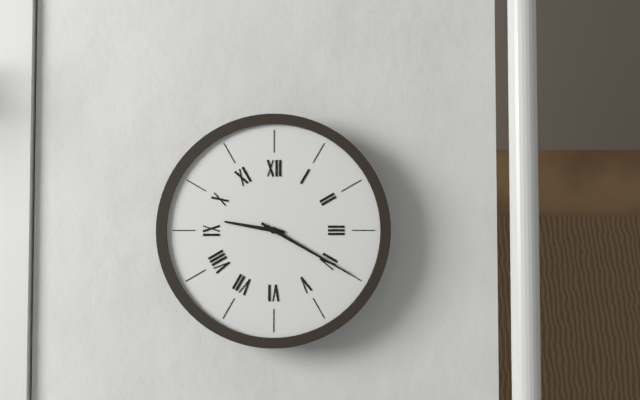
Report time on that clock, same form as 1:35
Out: 9:20
